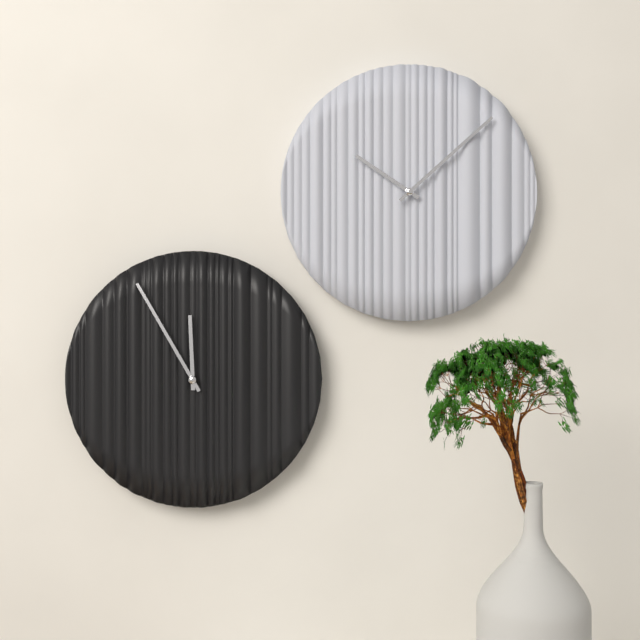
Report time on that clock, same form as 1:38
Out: 11:55
